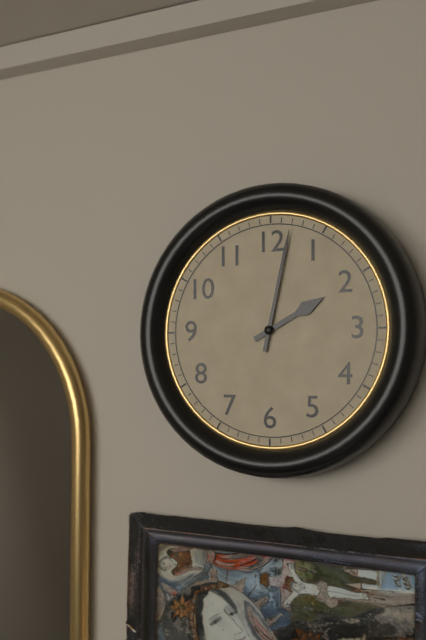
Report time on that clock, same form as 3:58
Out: 2:02
